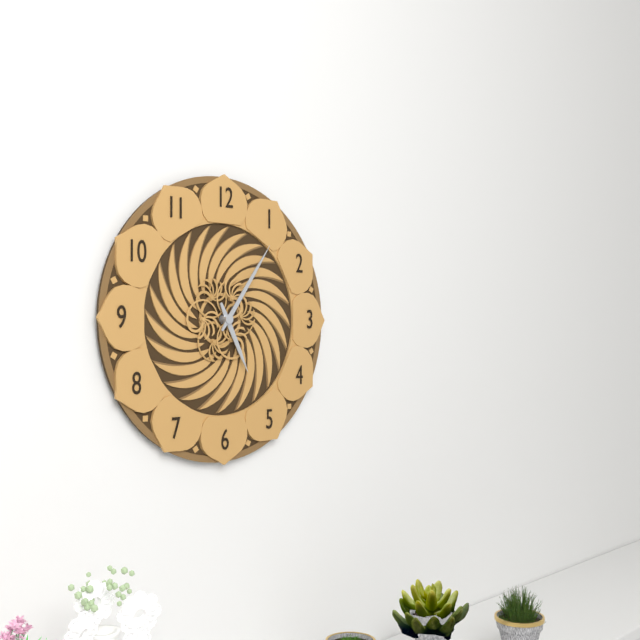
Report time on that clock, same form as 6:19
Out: 5:06
